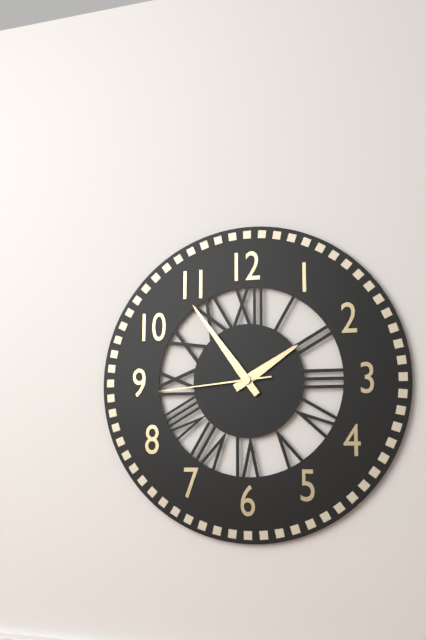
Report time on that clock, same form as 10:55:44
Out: 1:54:44
